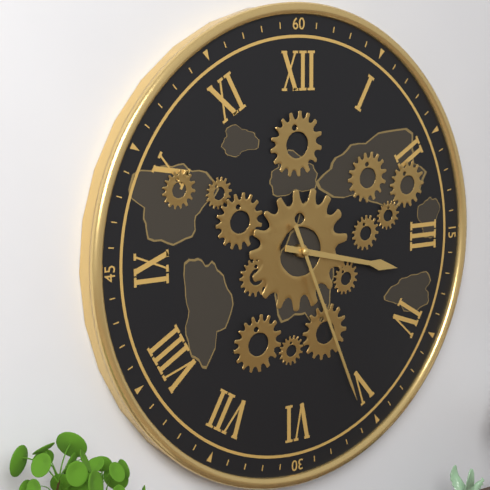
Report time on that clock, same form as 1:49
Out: 3:26
